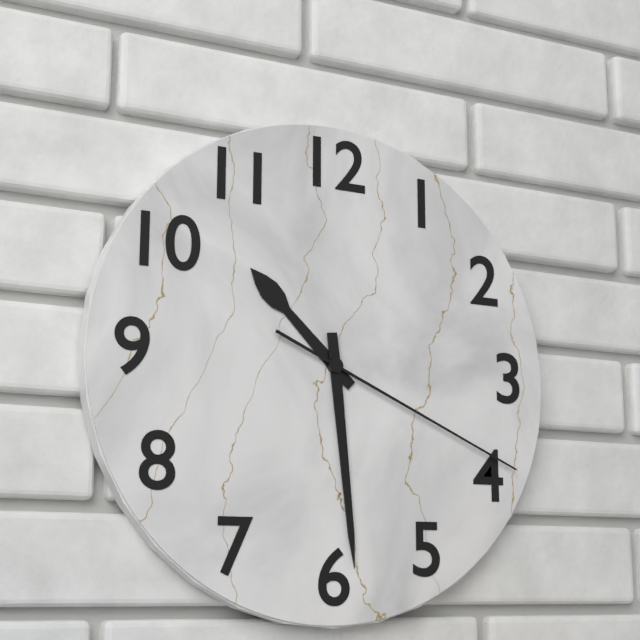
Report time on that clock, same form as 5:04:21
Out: 10:29:19
